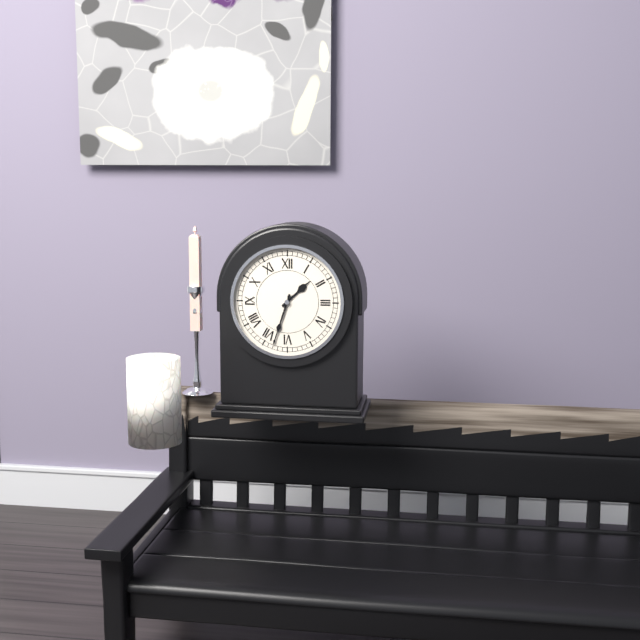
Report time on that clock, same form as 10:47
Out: 1:33
